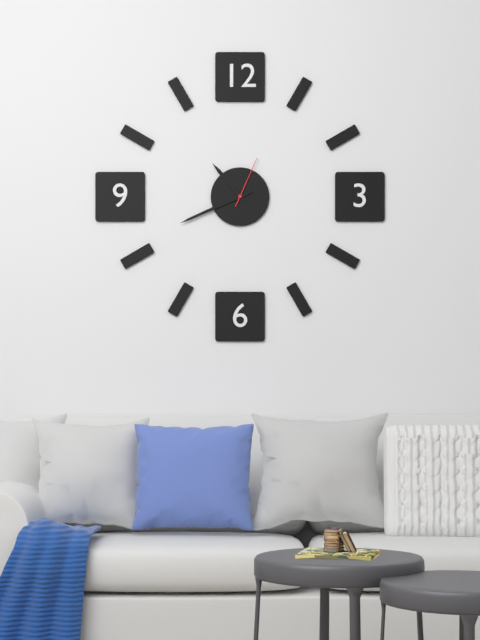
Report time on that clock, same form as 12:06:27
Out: 10:41:04
